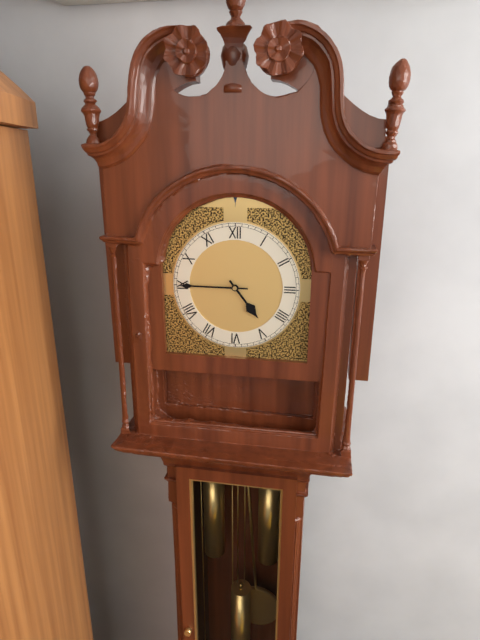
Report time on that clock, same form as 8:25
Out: 4:45
